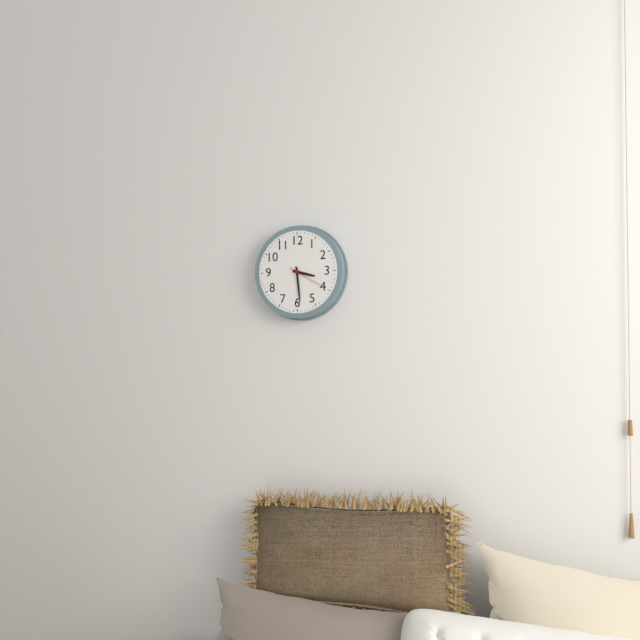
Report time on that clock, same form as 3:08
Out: 3:29
